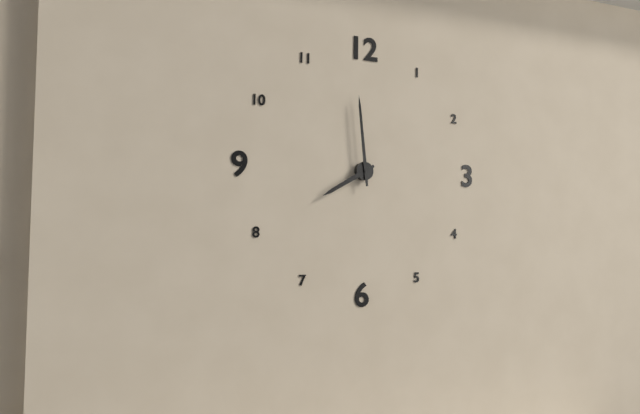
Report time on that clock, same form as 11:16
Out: 7:59
